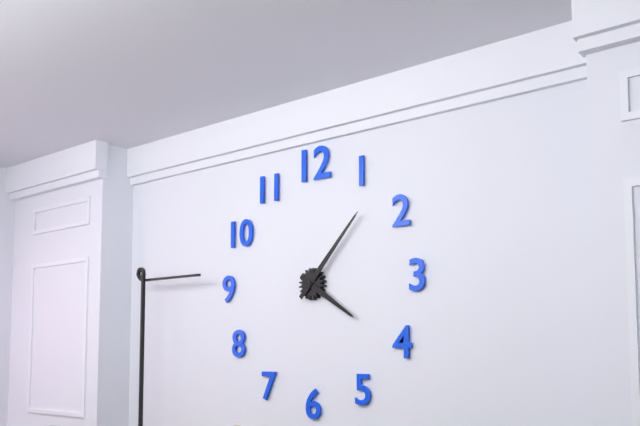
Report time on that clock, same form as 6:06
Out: 4:07
